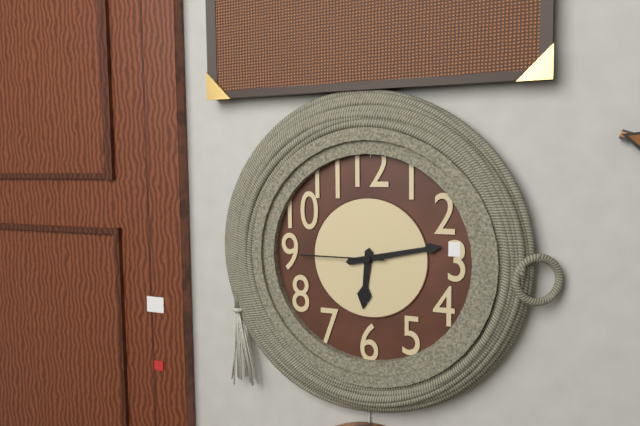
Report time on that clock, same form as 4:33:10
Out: 6:13:45
